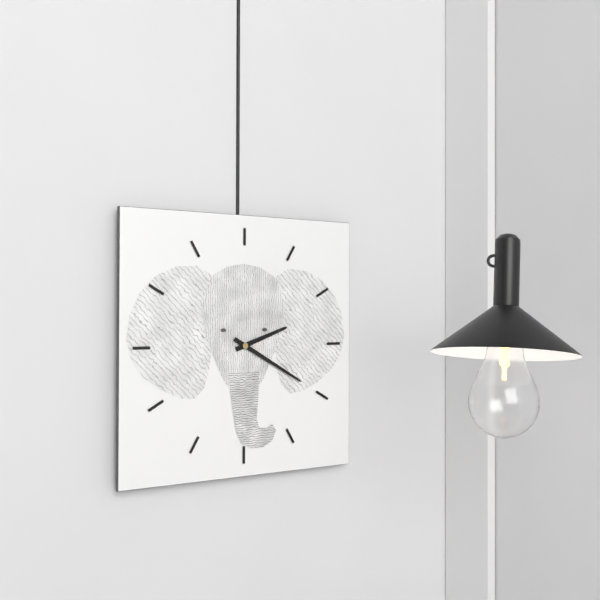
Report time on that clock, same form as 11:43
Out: 2:20
